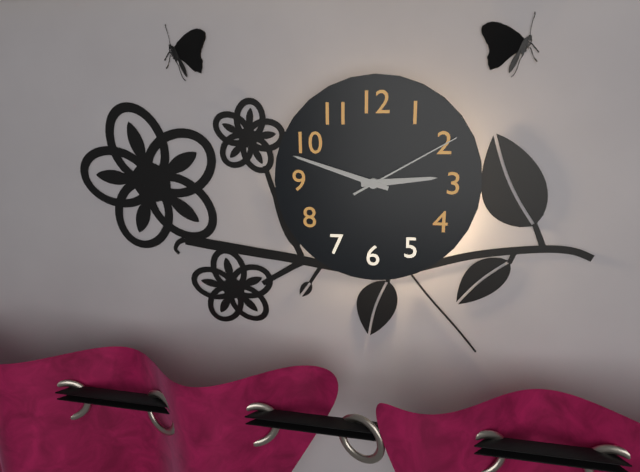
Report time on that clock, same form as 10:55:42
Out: 2:48:10
